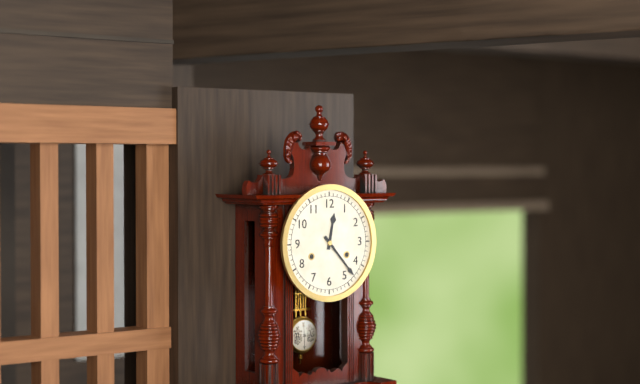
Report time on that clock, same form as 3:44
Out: 12:23
